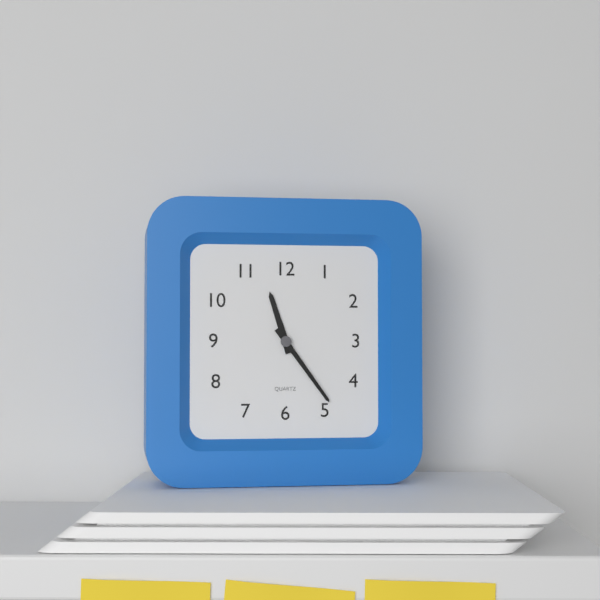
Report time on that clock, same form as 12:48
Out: 11:24
